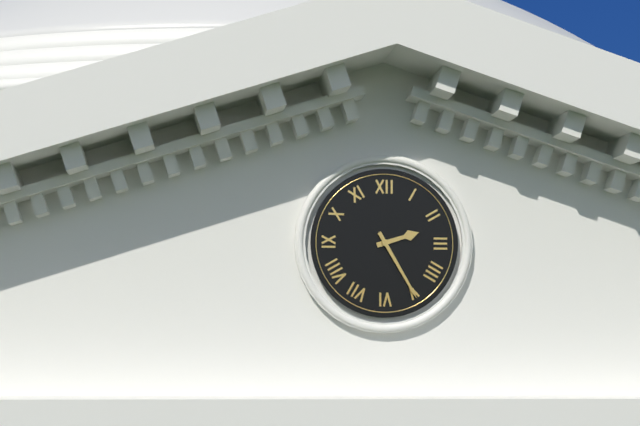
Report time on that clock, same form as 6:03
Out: 2:25
